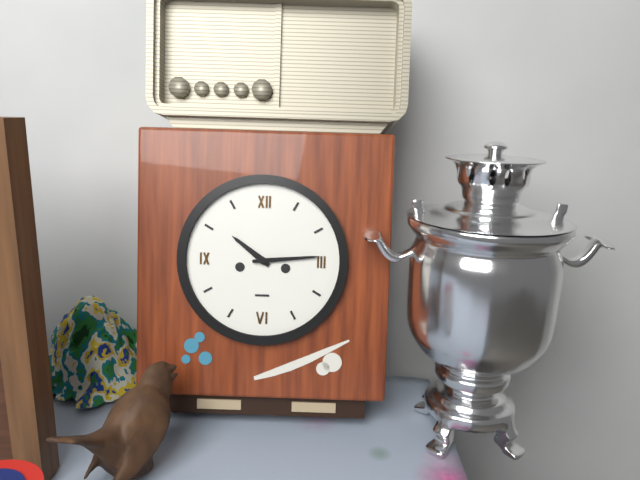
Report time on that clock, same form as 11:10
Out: 10:14
